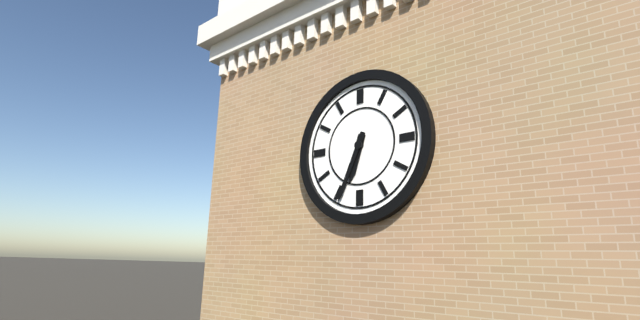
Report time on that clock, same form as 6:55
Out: 6:34
